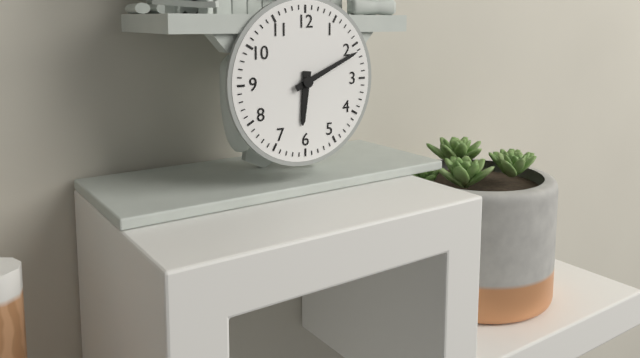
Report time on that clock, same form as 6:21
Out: 6:11
